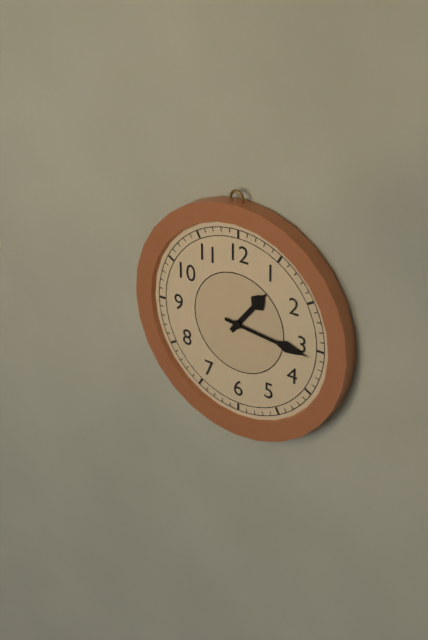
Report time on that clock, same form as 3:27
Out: 1:16
